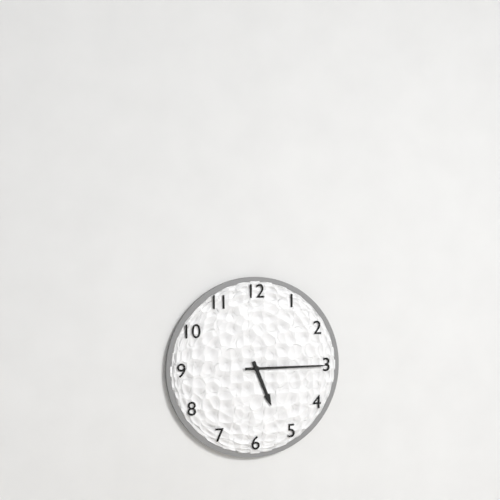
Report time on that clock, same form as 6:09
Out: 5:15
